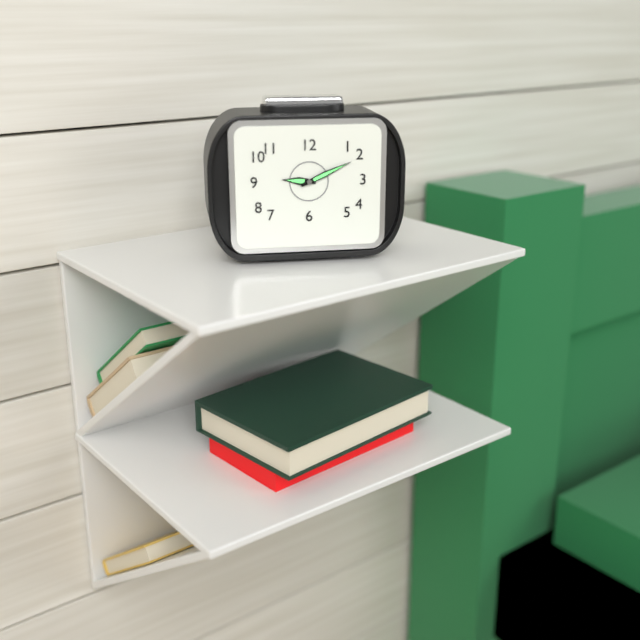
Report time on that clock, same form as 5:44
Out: 9:11
